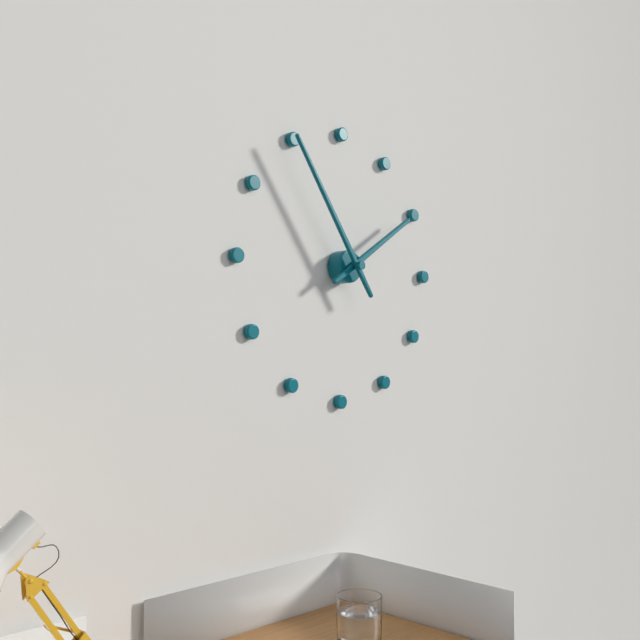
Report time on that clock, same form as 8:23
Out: 1:54
